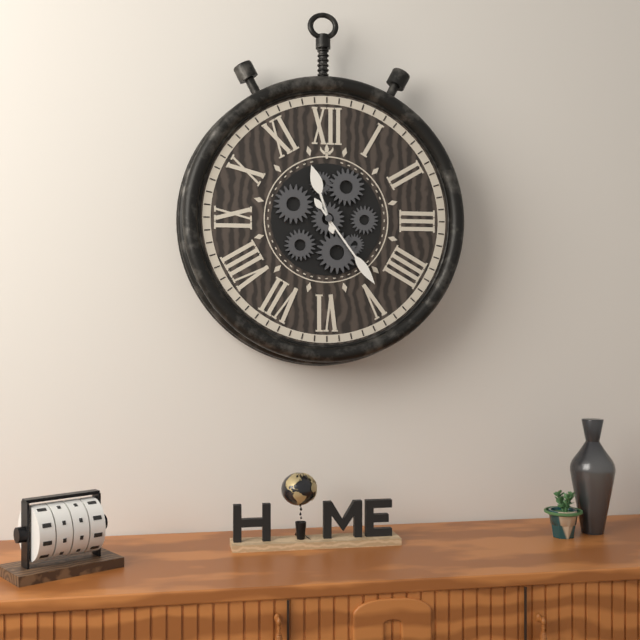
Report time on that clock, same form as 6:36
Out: 11:24
